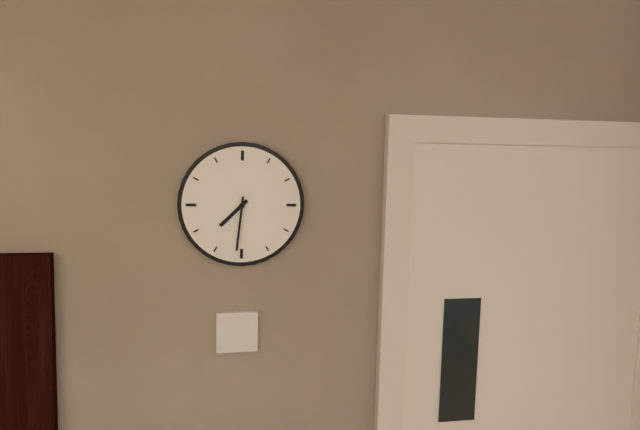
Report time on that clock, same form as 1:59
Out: 7:31
